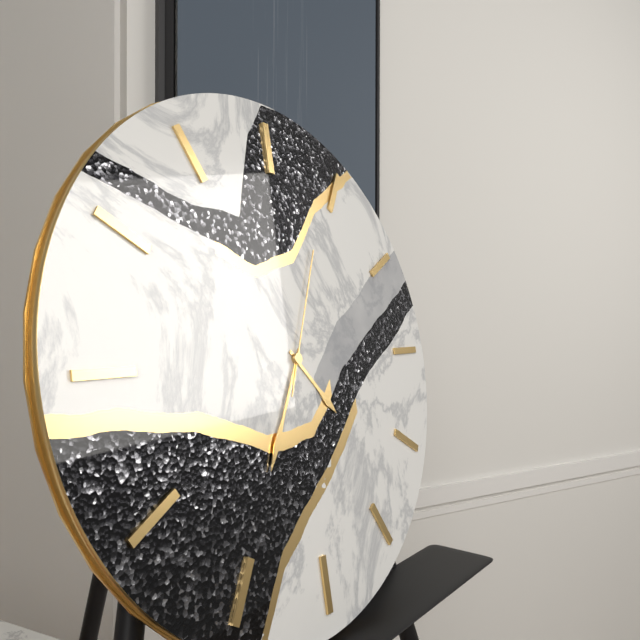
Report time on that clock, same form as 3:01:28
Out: 4:35:04
